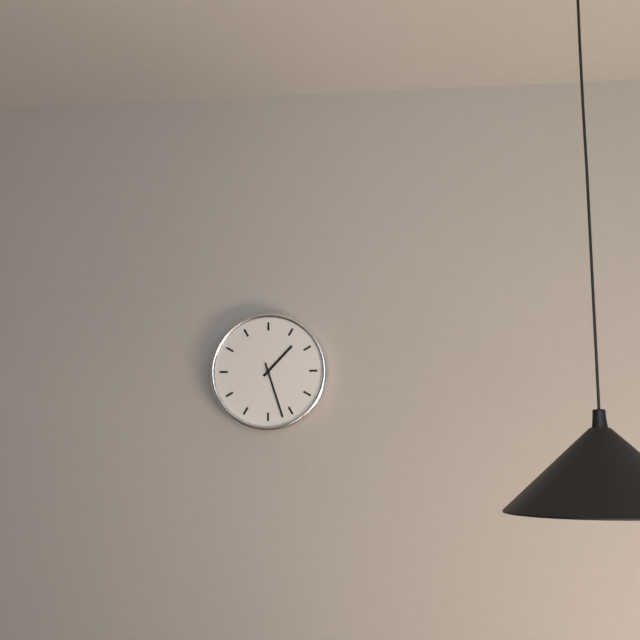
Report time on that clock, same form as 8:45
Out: 1:27
